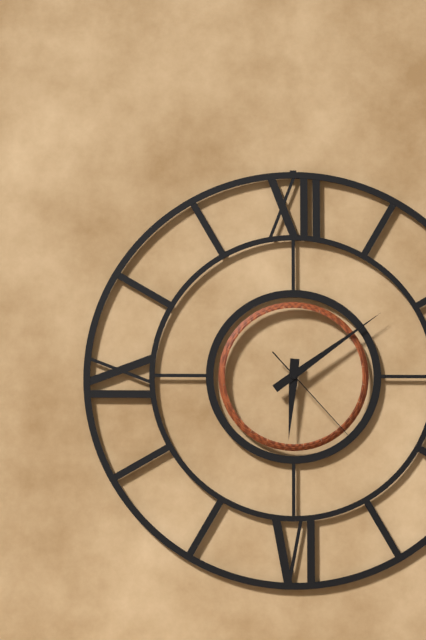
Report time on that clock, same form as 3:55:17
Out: 6:09:23
